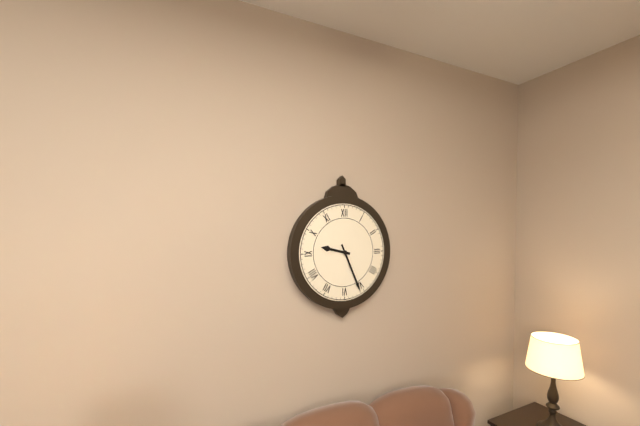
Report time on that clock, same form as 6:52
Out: 9:26
